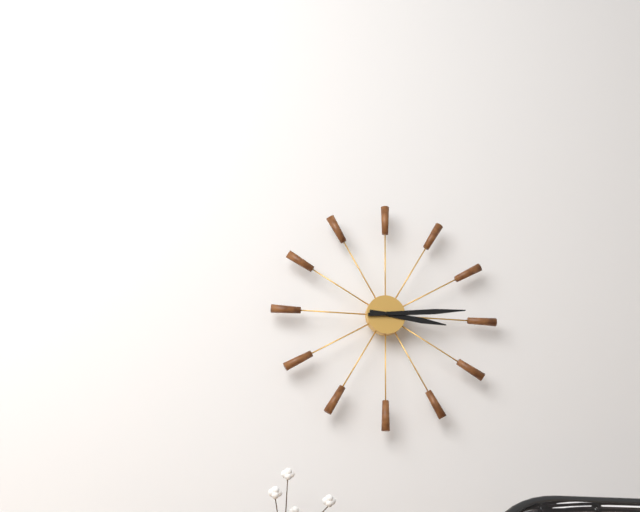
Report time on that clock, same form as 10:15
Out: 3:14
